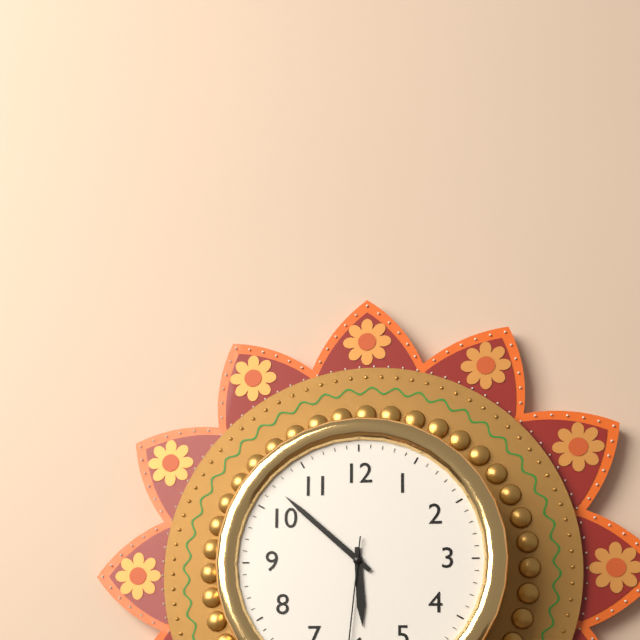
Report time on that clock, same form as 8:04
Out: 5:52
